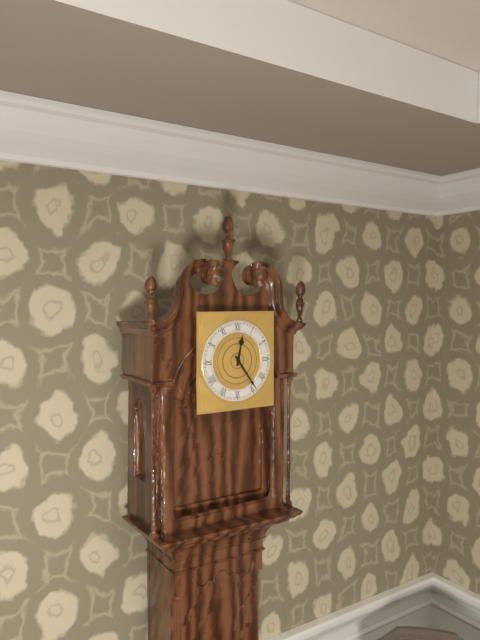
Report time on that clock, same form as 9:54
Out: 12:24
